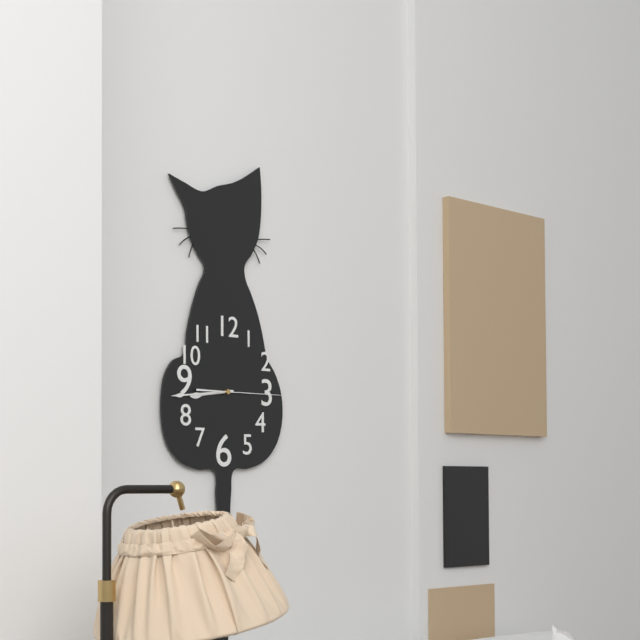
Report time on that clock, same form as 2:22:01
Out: 8:44:15
